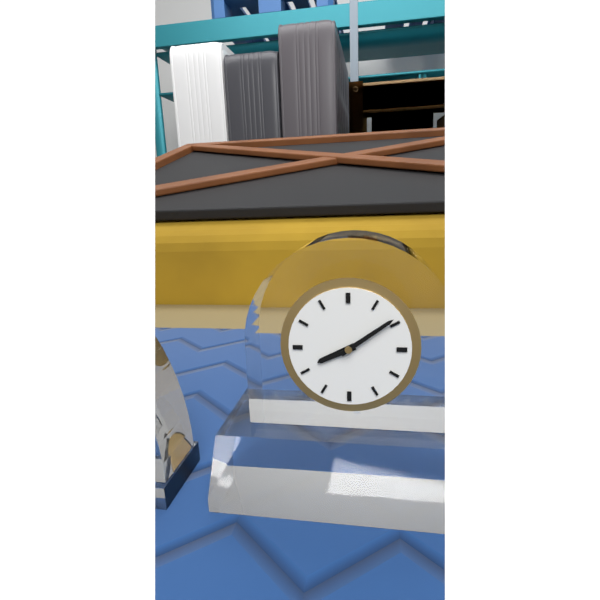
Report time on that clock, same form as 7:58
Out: 8:09
